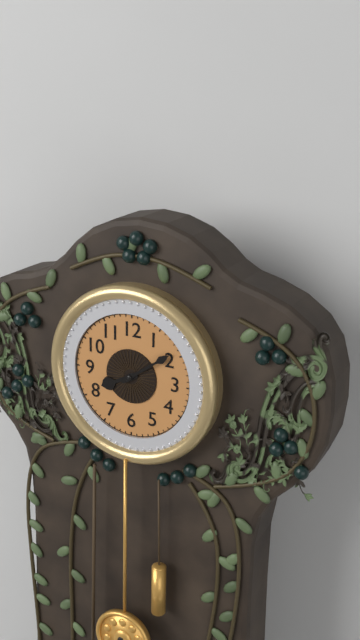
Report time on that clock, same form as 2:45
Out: 8:09
